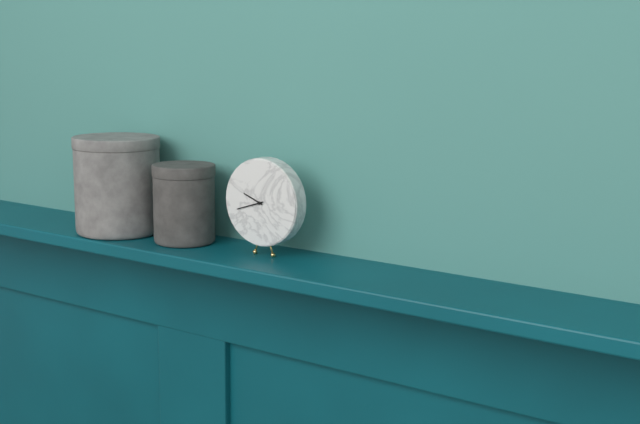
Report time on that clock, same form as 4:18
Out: 9:42
